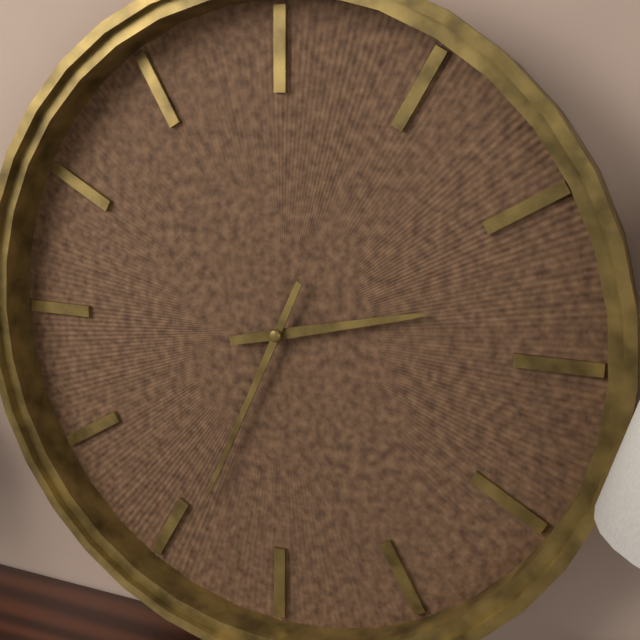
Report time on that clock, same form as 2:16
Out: 2:34
